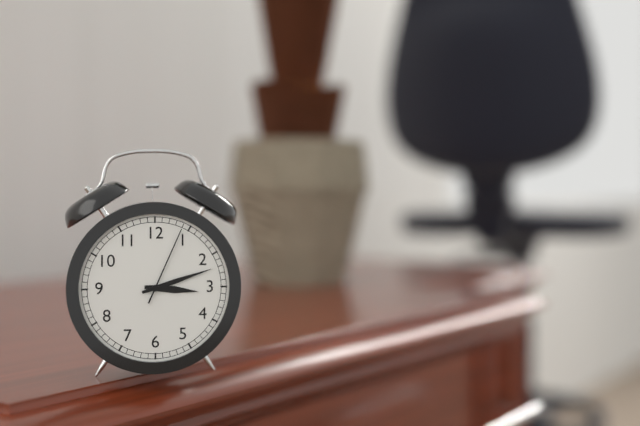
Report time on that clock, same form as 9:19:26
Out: 3:12:04
